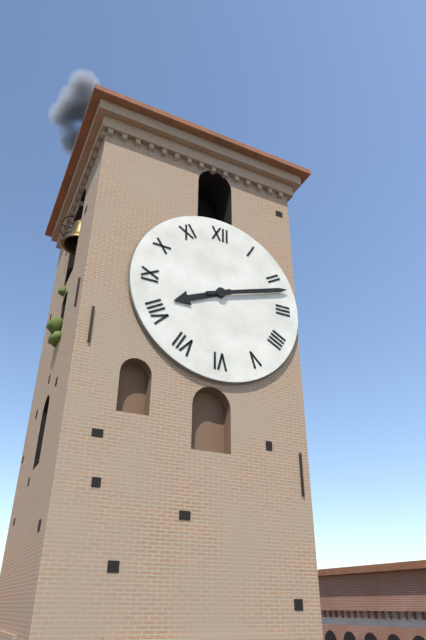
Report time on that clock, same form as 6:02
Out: 8:12
